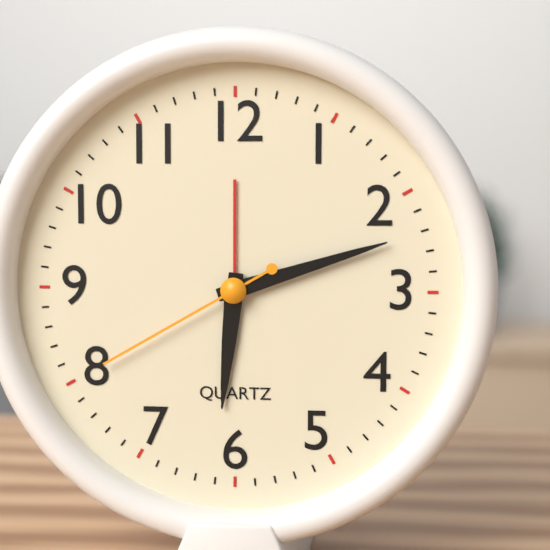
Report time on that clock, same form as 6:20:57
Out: 6:12:40
